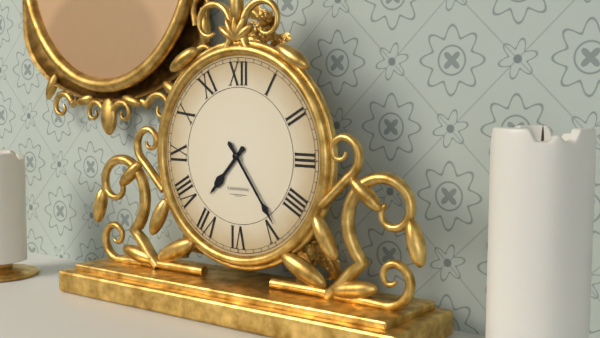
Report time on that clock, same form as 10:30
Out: 7:24
